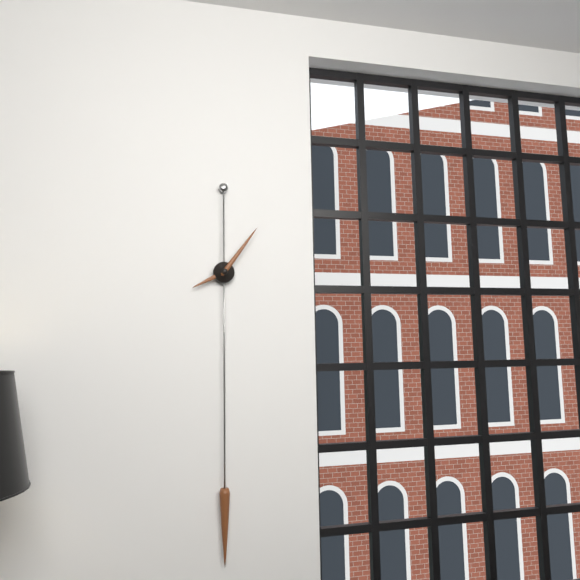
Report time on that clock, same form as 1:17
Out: 8:06
